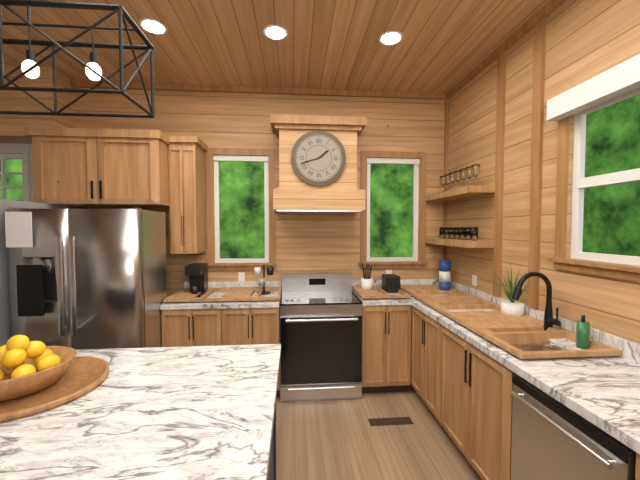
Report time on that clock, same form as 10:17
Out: 1:42
